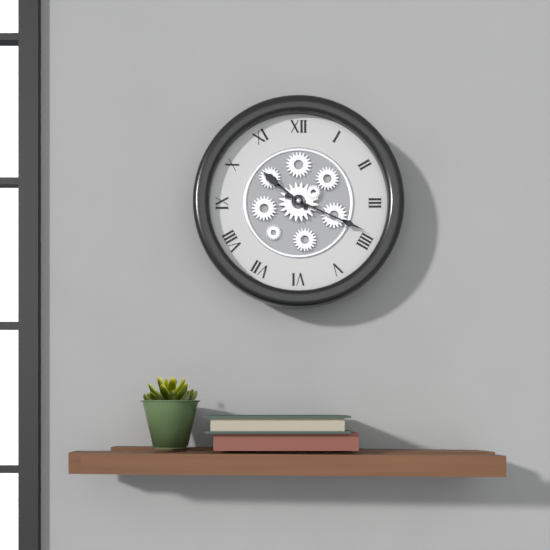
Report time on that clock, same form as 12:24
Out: 10:19
